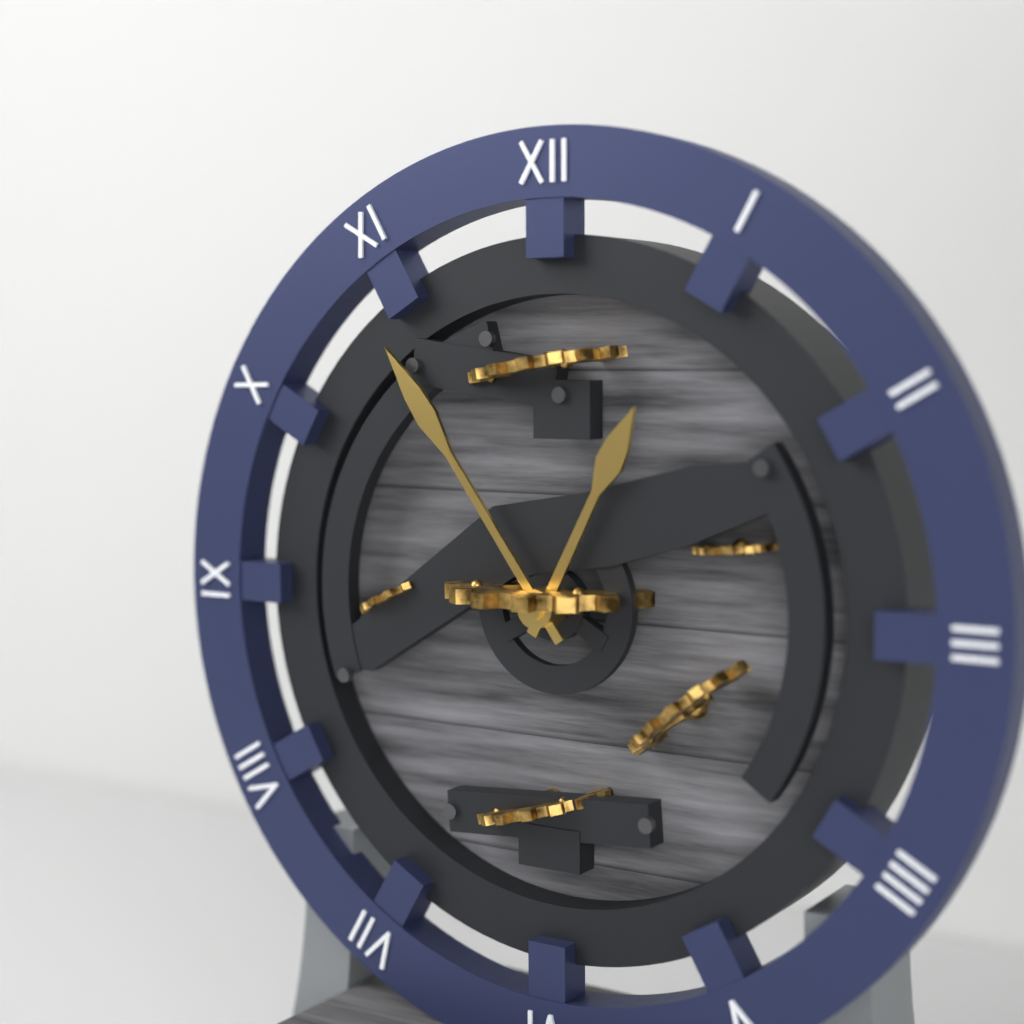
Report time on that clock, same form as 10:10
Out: 12:54
